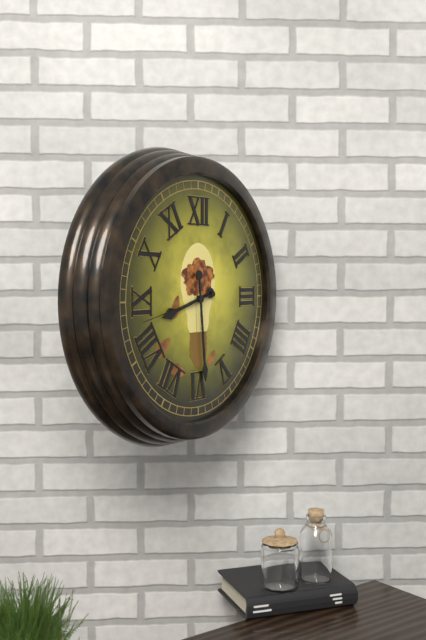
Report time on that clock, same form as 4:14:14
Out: 8:29:43
